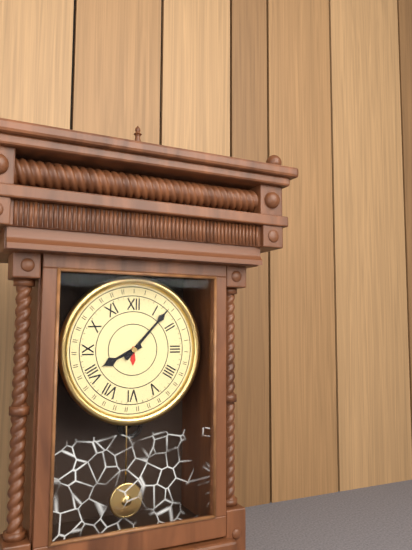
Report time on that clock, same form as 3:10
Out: 8:07
